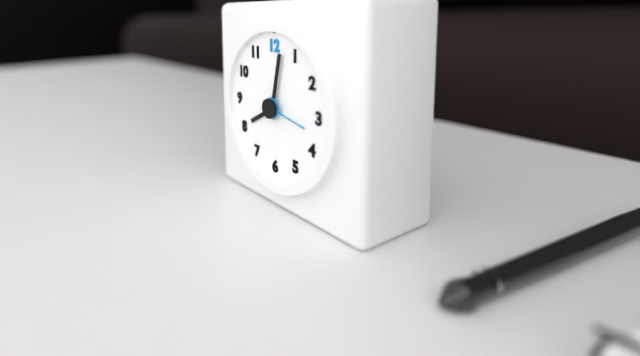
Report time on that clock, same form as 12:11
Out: 8:02
